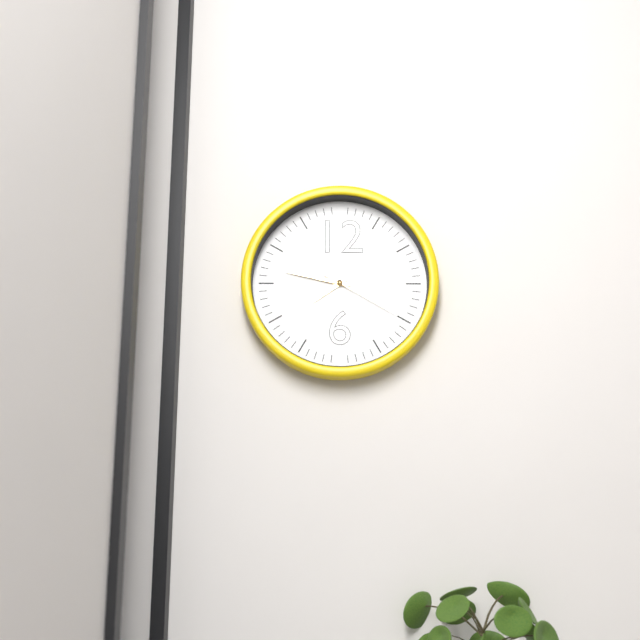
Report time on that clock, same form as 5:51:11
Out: 7:47:20
